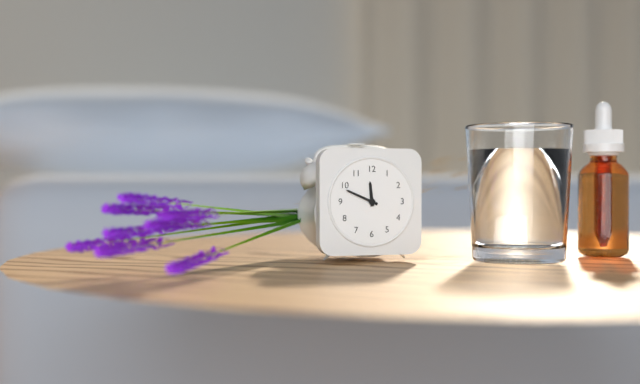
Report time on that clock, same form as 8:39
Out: 11:49
